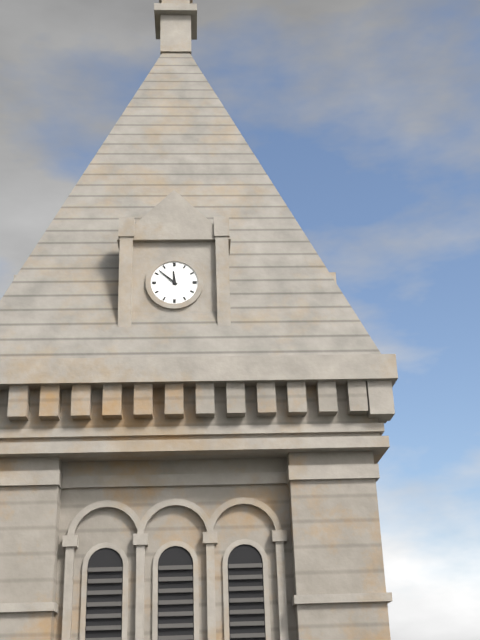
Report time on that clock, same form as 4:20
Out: 11:52
